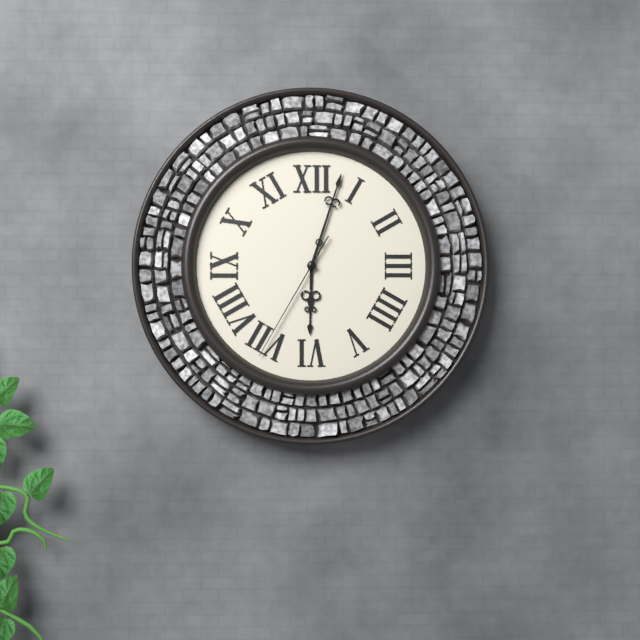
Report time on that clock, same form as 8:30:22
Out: 6:03:35
